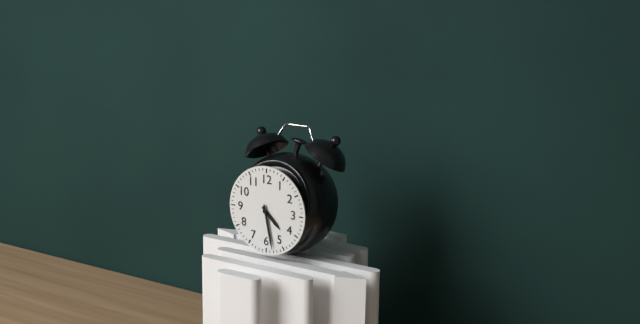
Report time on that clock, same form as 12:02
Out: 4:28
